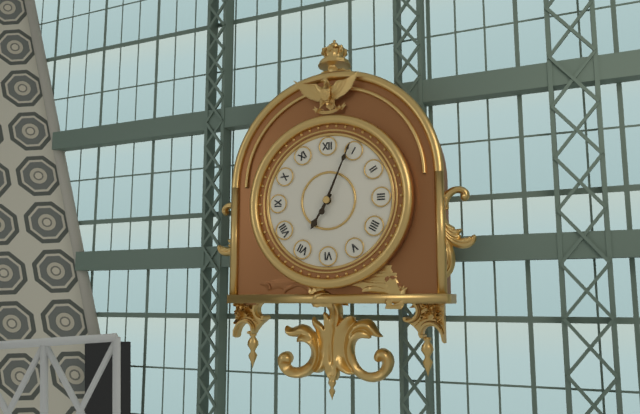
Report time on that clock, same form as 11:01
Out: 7:04
